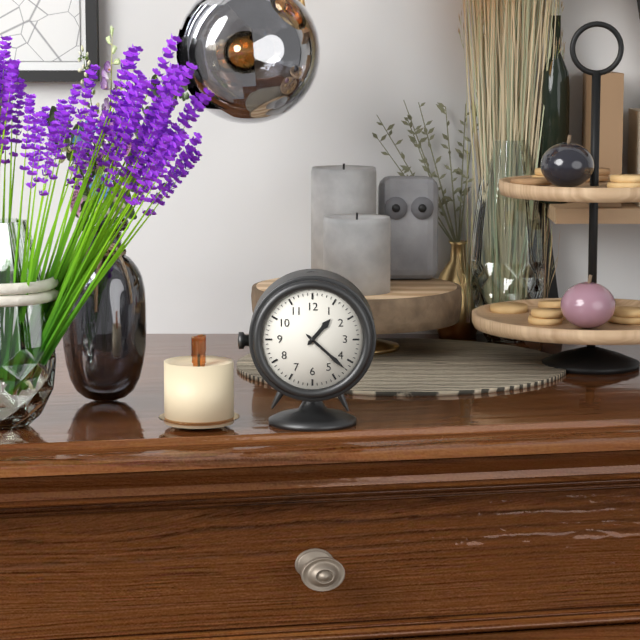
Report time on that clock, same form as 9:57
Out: 1:22
